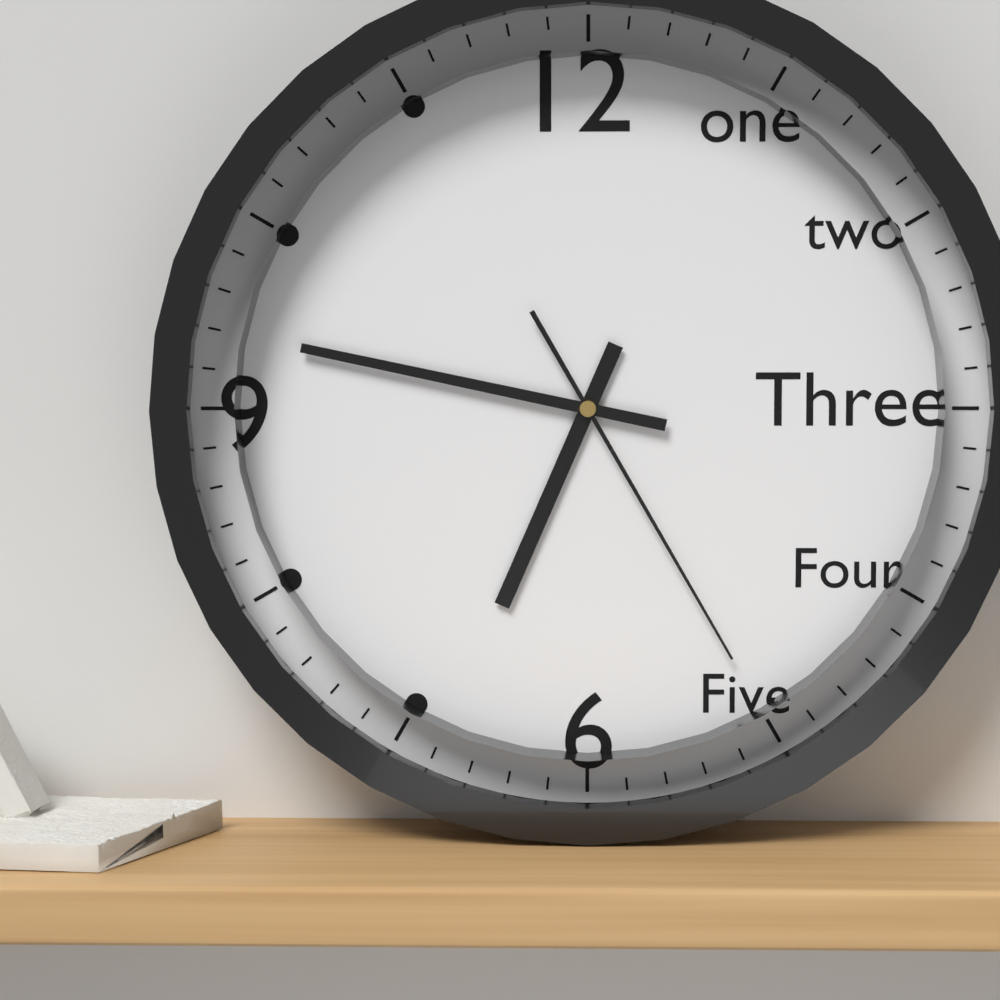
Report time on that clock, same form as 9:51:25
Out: 6:47:25
